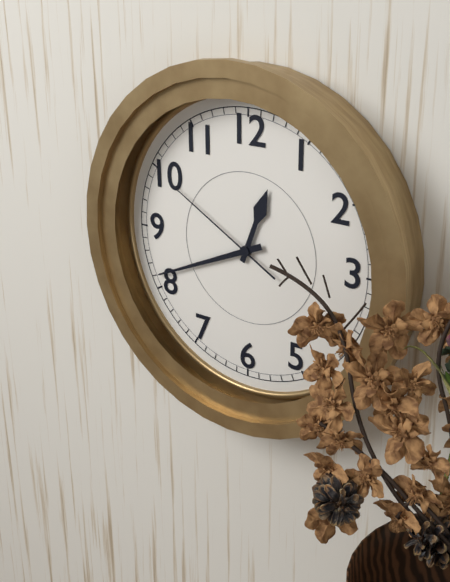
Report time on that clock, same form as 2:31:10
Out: 12:41:50
